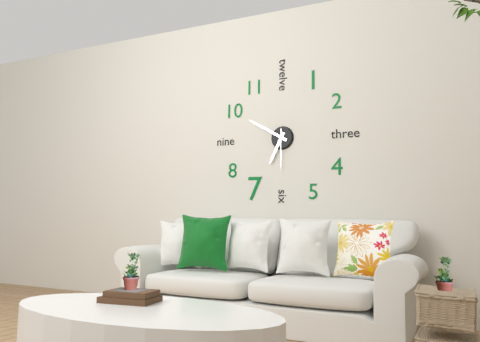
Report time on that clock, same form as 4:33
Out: 6:50
